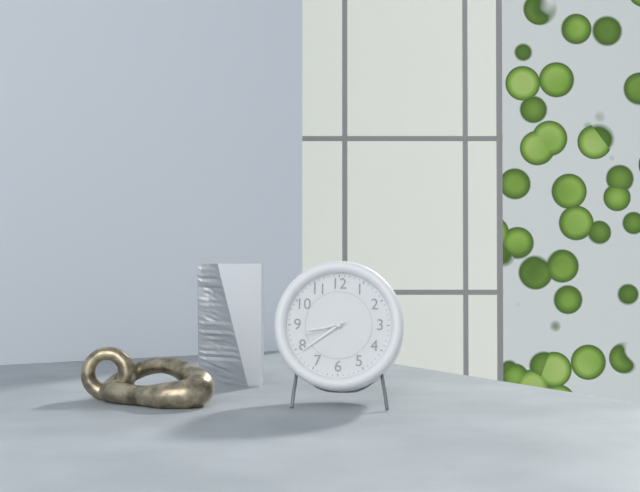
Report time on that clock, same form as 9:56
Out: 8:39
